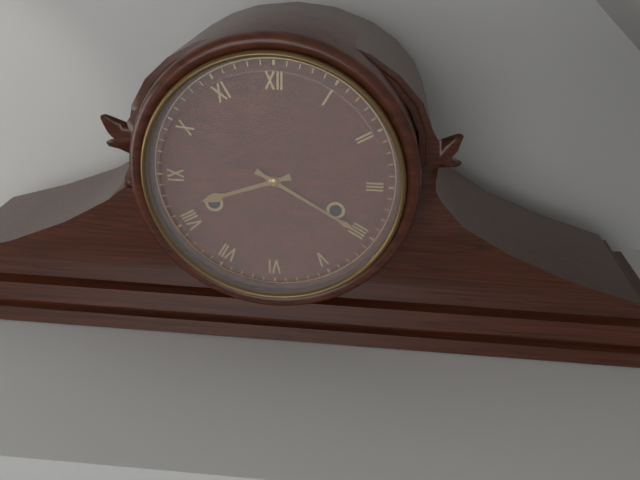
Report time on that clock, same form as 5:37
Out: 8:20
